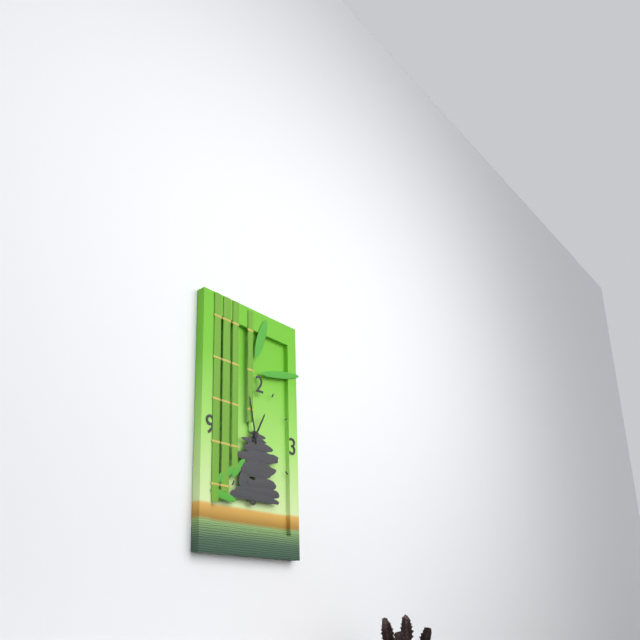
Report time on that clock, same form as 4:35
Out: 12:58
